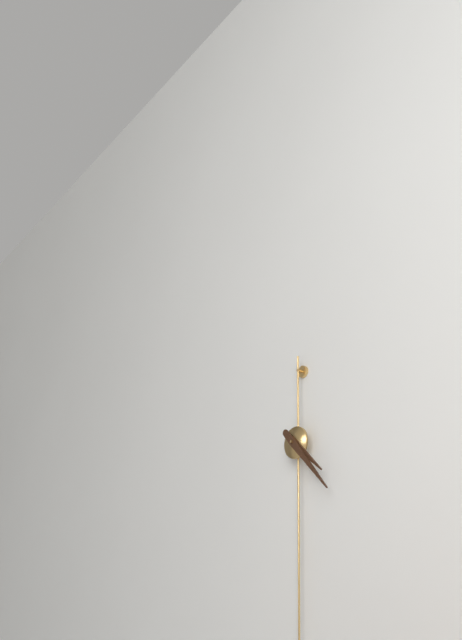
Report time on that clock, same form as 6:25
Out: 4:23
